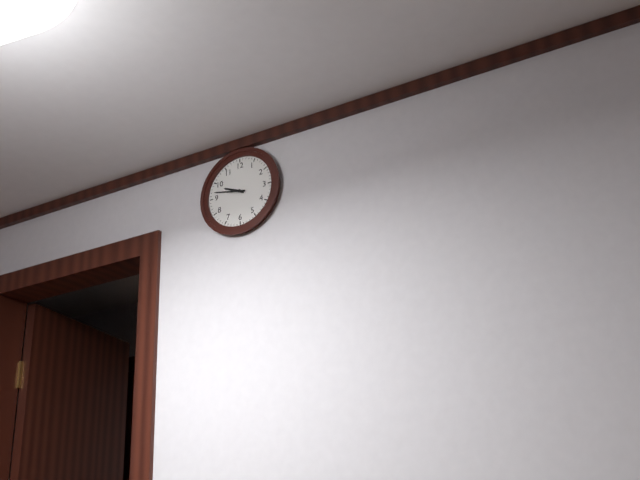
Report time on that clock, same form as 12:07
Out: 9:47
